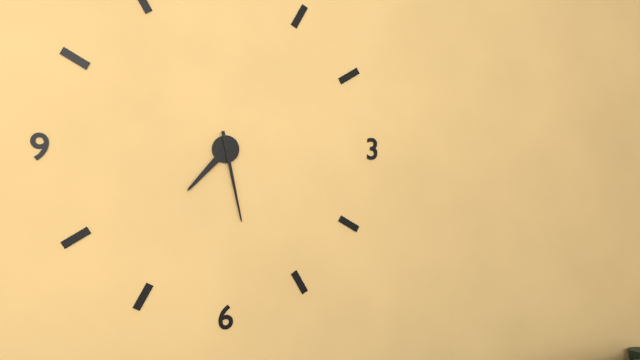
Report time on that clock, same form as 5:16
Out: 7:28
